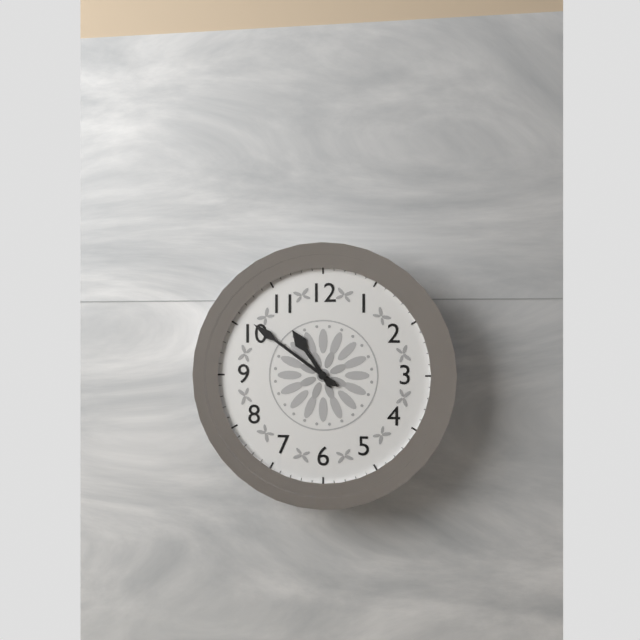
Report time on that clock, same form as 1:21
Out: 10:51
